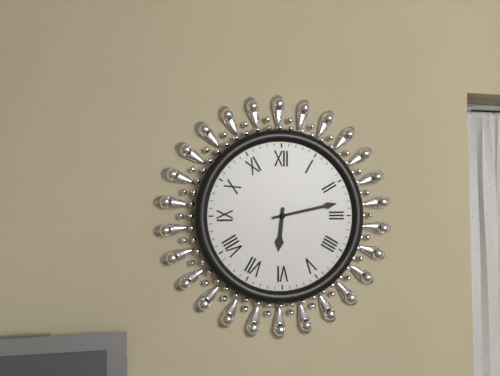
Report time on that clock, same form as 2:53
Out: 6:13
